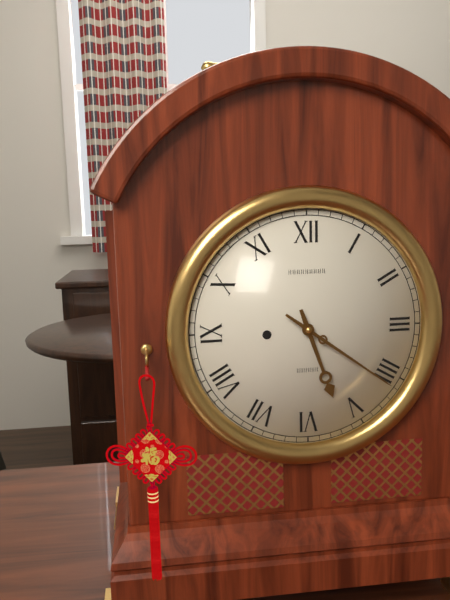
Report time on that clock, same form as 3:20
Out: 5:21
